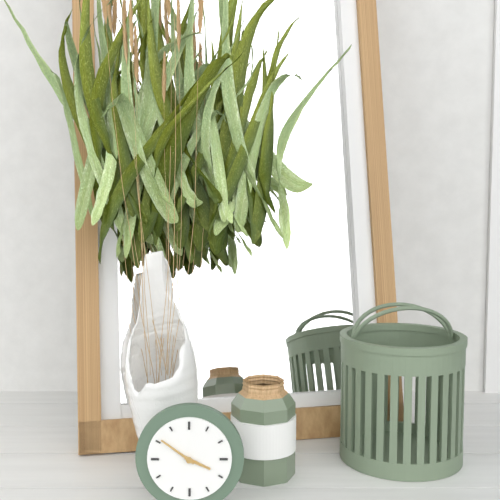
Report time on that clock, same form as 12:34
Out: 3:51
